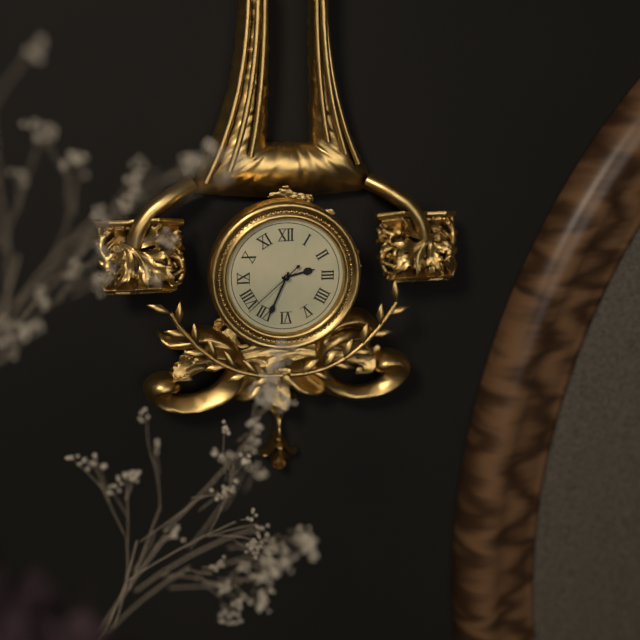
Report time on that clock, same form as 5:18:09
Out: 2:34:38
